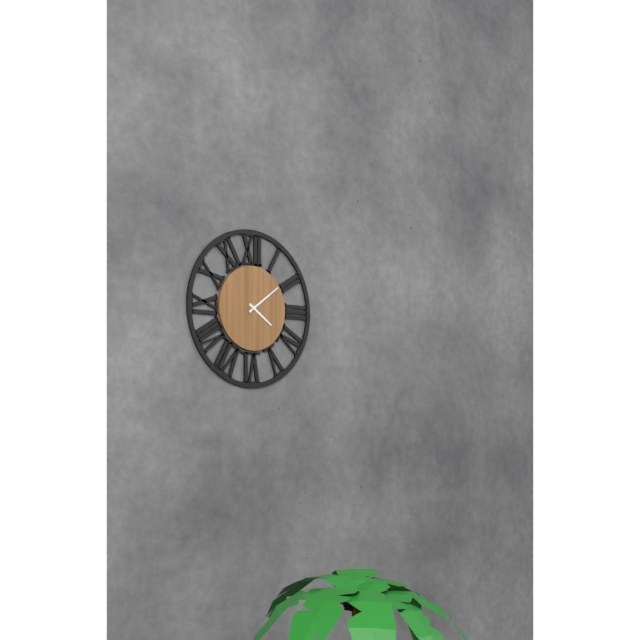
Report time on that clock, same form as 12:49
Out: 4:09
